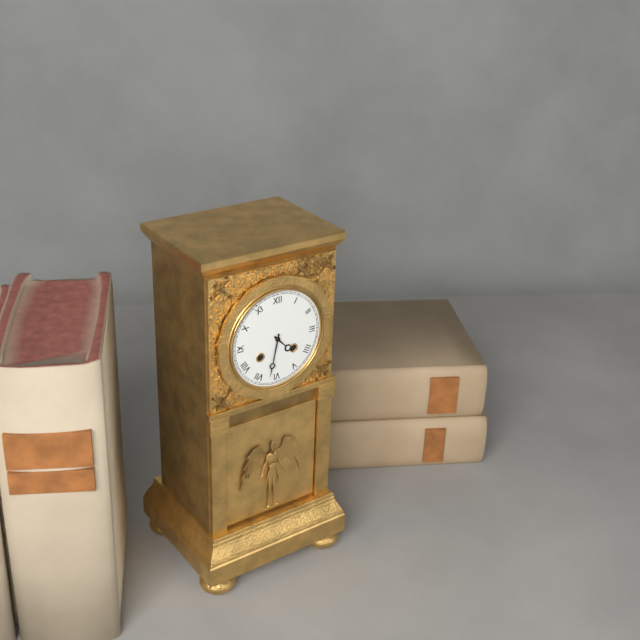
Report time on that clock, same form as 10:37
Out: 4:32
